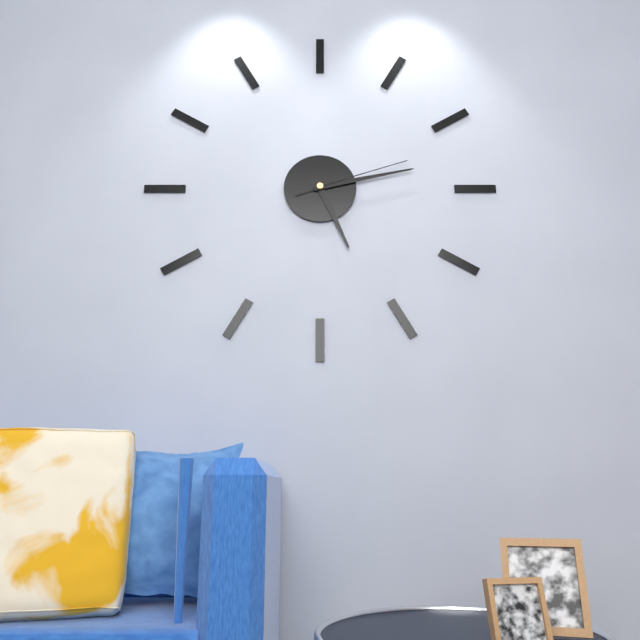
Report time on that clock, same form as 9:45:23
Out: 5:13:12
